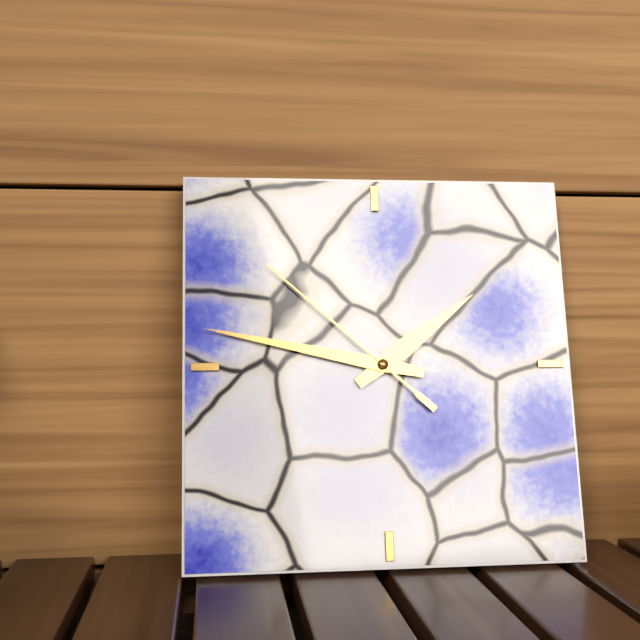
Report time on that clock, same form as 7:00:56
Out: 1:47:52
